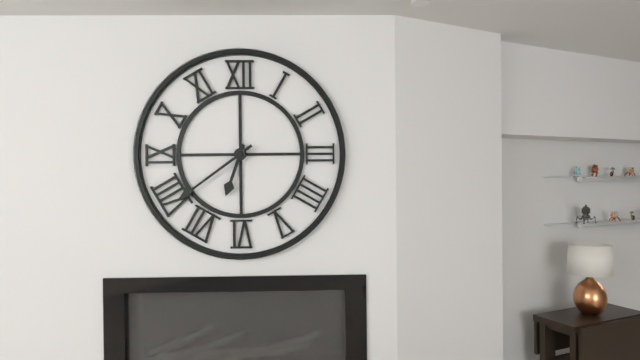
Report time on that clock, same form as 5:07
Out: 6:39
